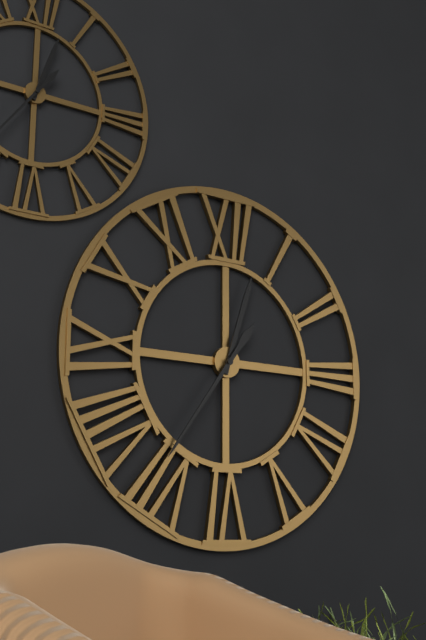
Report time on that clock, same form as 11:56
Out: 12:36
